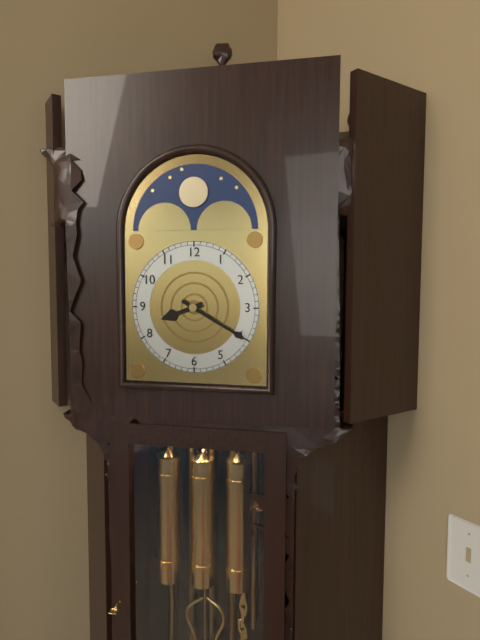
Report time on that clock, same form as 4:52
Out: 8:20
